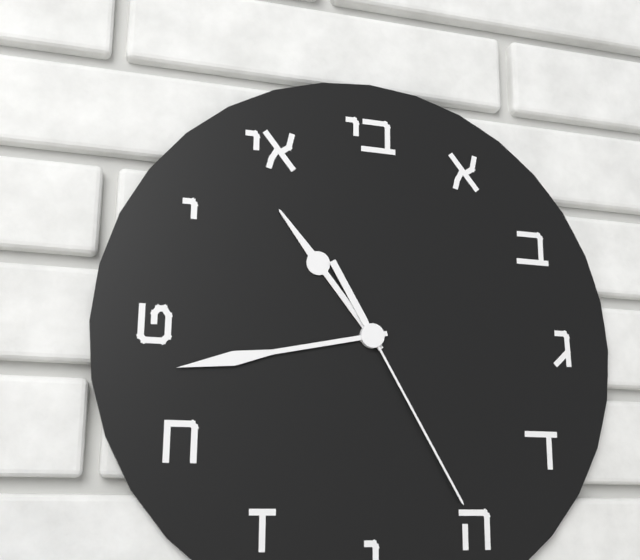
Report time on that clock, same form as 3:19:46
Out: 10:43:25
